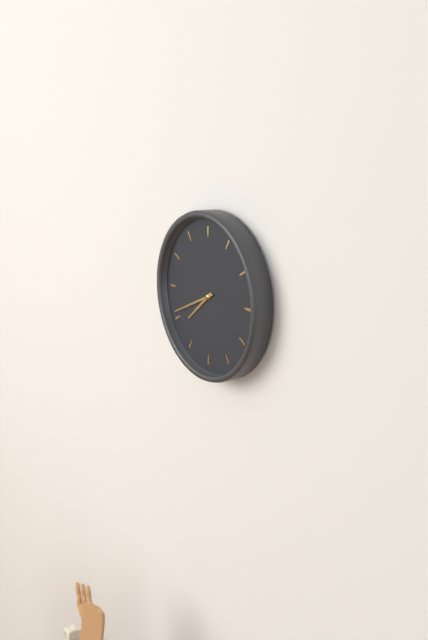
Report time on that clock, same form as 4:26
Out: 7:41
